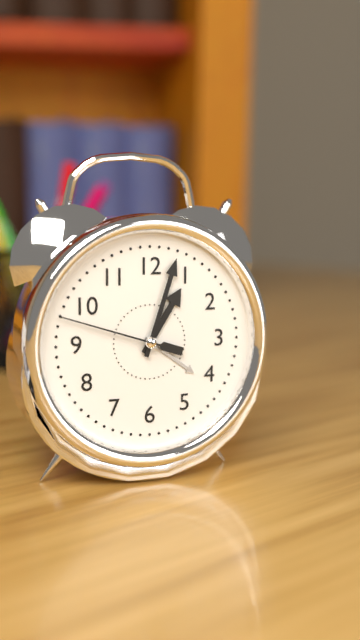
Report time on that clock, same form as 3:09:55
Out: 1:03:48
